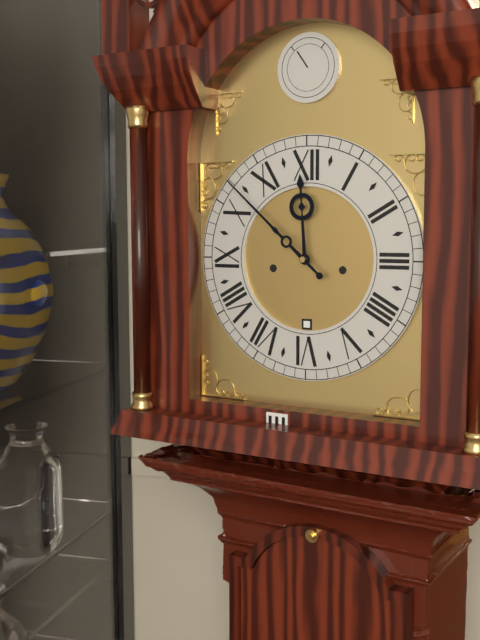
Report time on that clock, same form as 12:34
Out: 11:52
